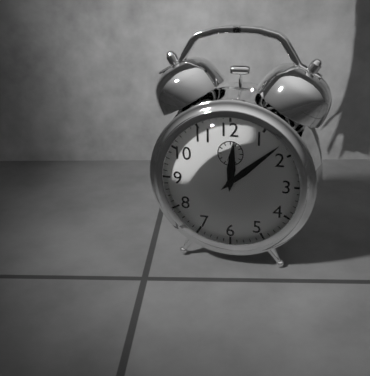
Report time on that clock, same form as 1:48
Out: 12:08
